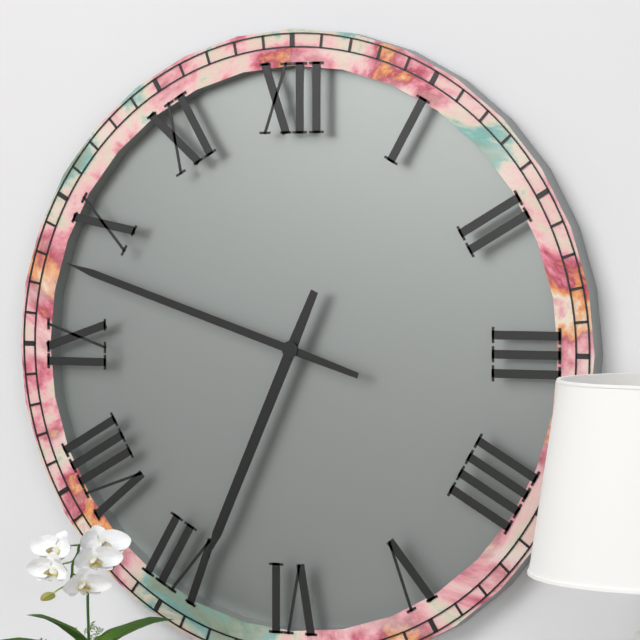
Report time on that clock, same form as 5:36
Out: 6:48
